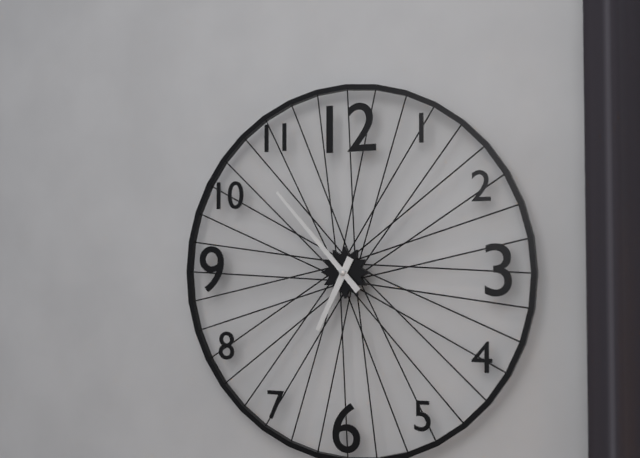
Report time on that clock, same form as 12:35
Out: 6:53
